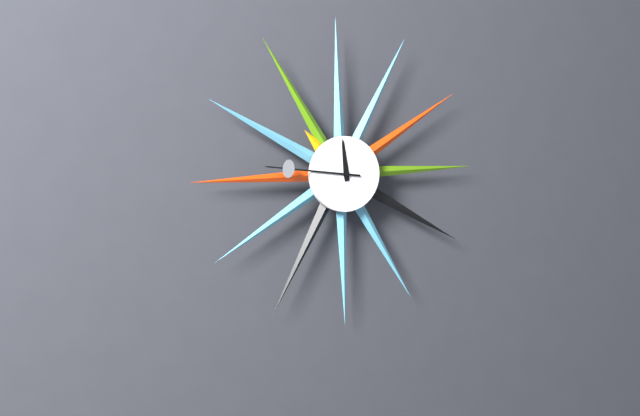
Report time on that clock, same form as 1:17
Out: 11:46
